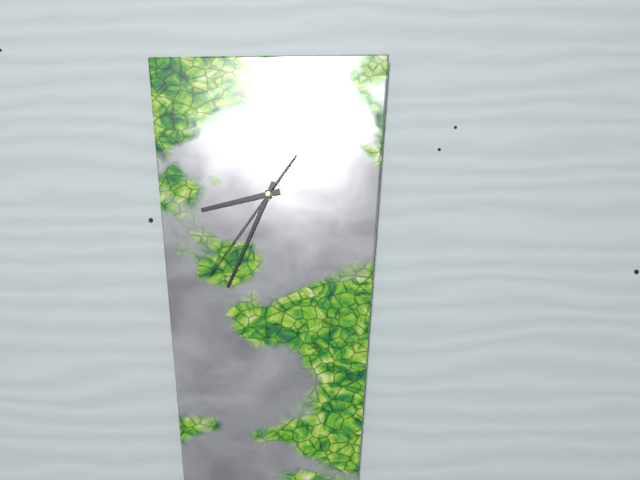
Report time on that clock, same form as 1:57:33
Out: 8:34:36
